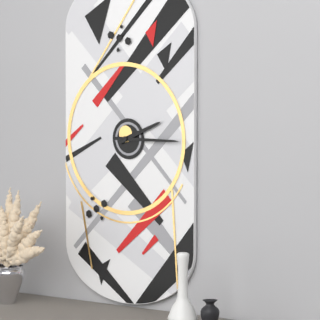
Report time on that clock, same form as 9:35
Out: 2:15
